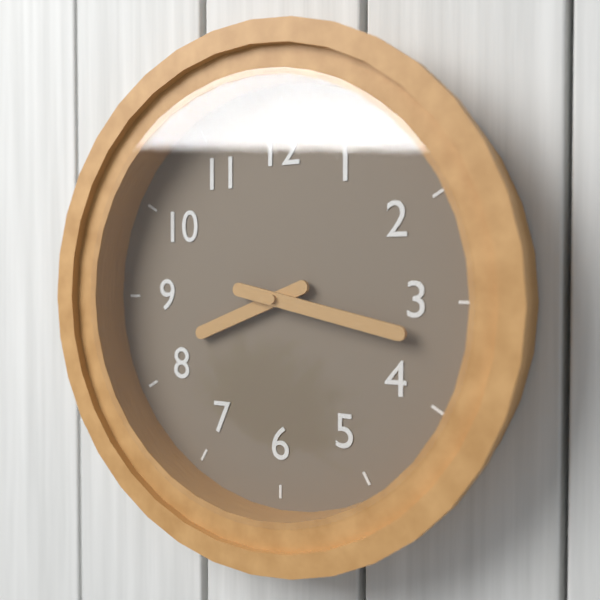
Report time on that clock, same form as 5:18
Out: 8:17
